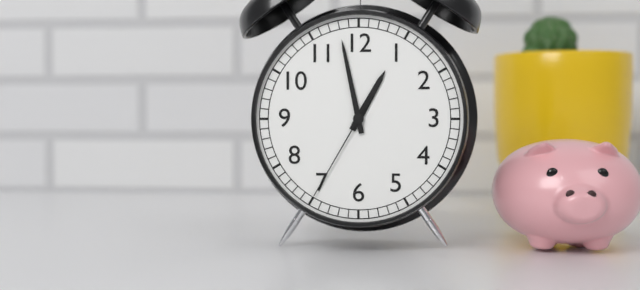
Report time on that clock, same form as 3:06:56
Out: 12:58:35
